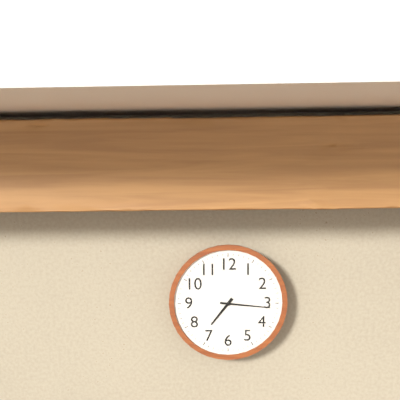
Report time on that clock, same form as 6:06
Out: 7:16
